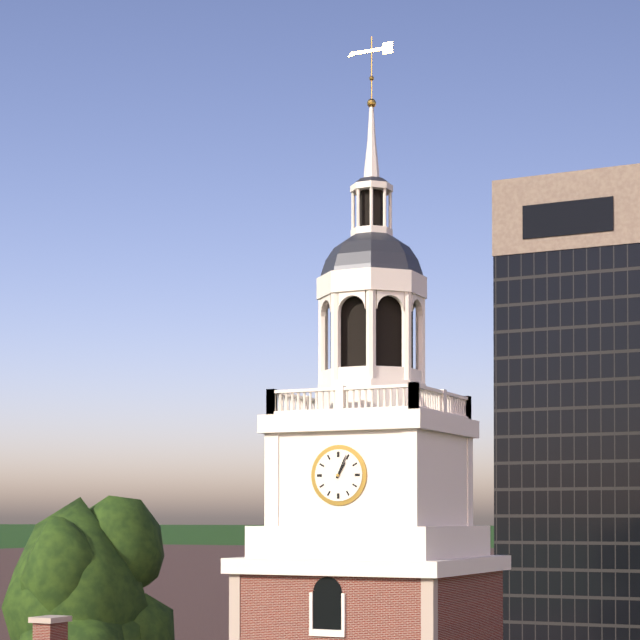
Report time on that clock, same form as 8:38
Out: 1:04
